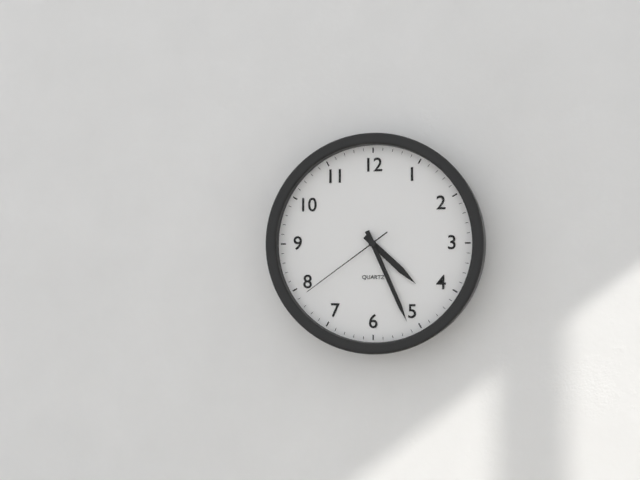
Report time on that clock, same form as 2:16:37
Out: 4:26:39
